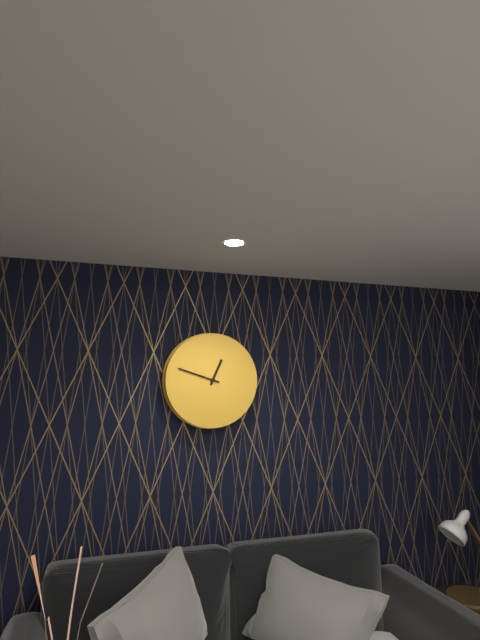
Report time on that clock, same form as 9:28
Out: 12:48
